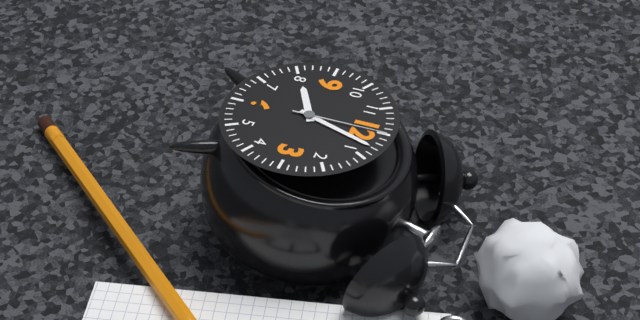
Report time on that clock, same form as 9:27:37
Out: 8:03:00
